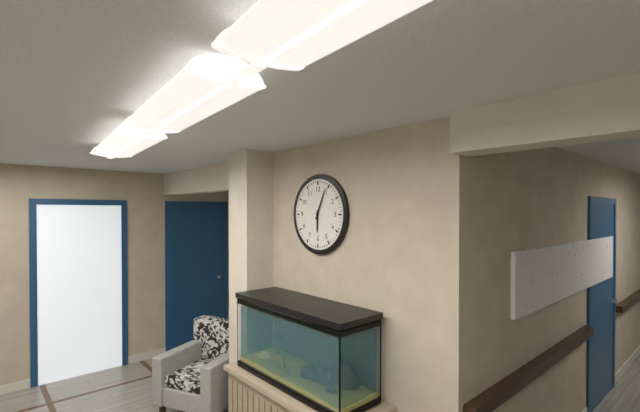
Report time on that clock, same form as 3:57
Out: 6:04
